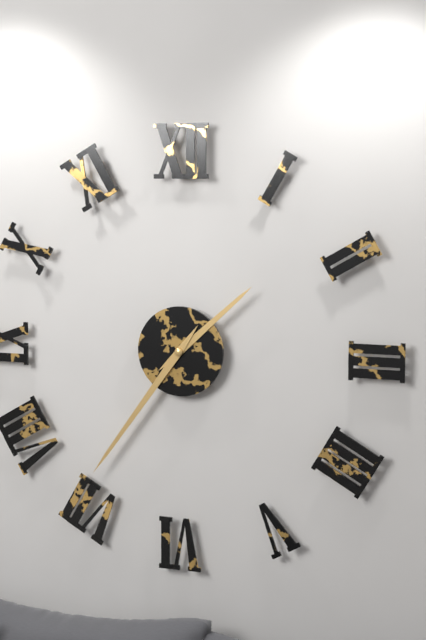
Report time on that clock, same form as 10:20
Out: 1:36
